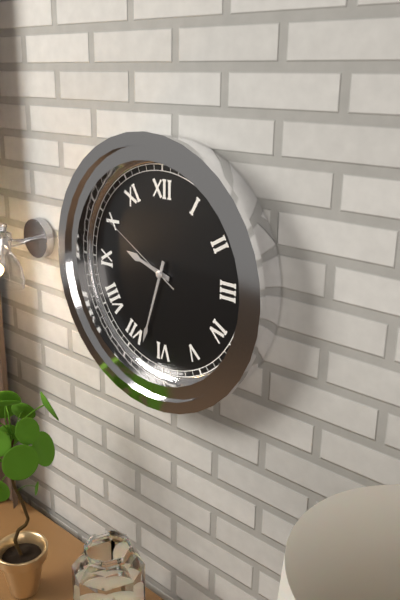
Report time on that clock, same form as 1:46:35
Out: 9:33:50
